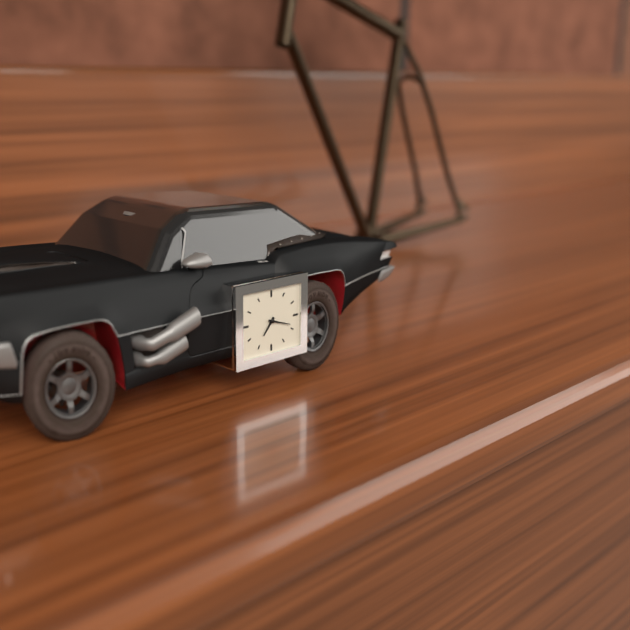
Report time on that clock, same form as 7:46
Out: 7:18
